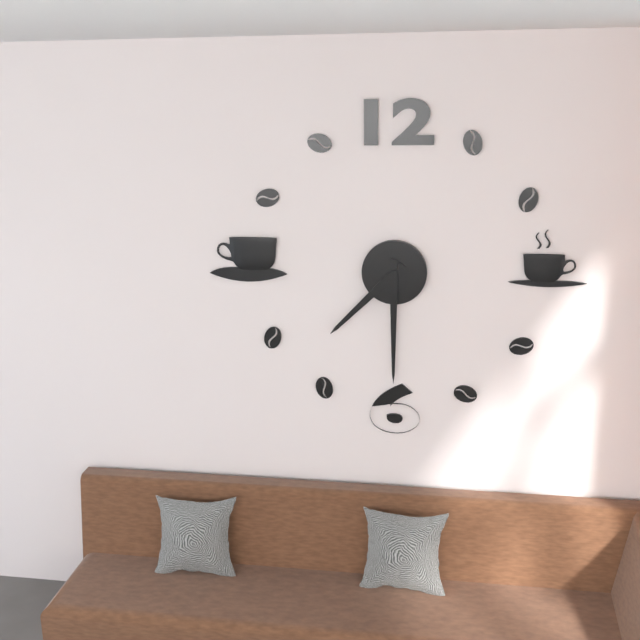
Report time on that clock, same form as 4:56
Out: 7:30
